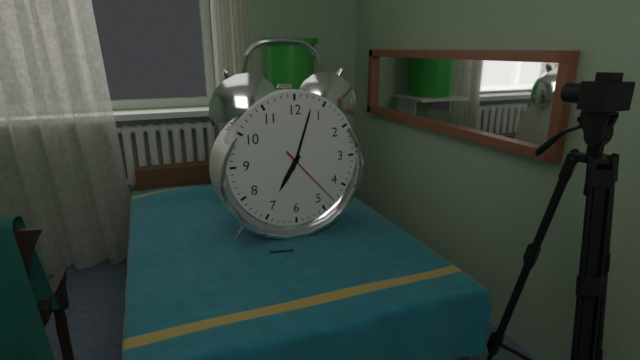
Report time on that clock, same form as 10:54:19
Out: 7:03:23
